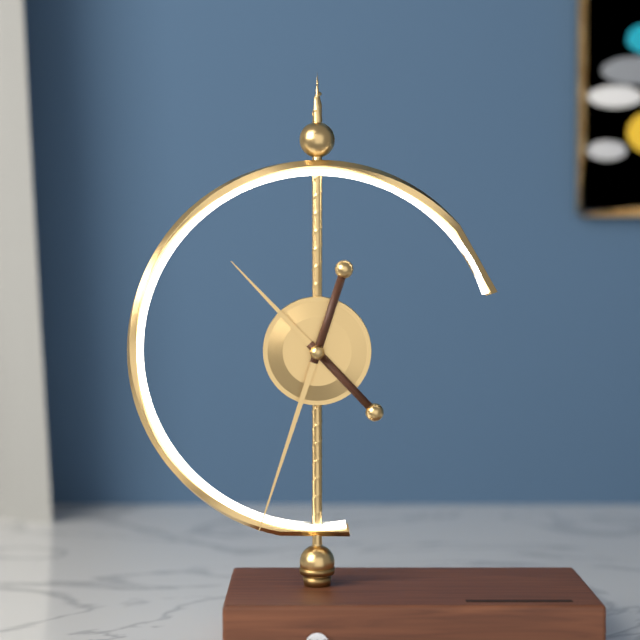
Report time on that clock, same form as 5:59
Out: 10:33
